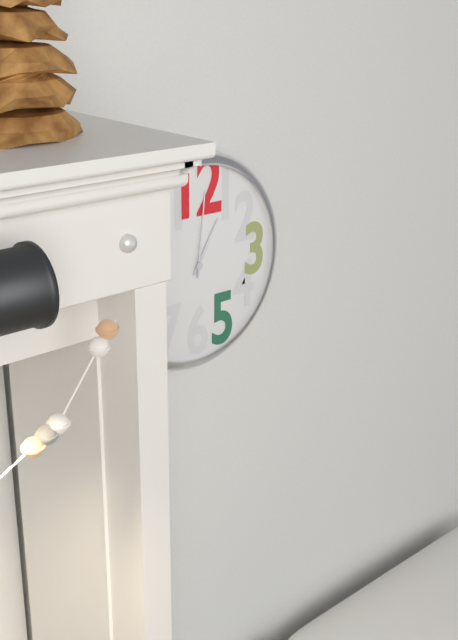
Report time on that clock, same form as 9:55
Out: 1:01
